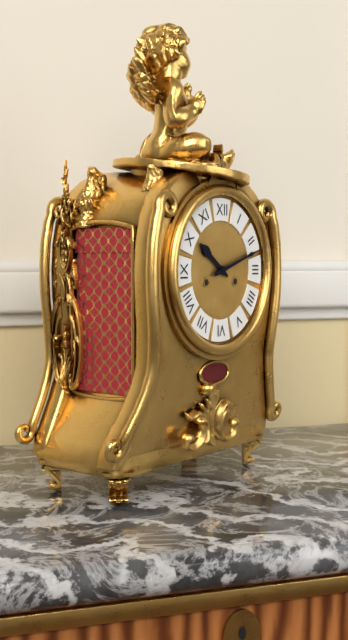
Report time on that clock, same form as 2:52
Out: 10:12
